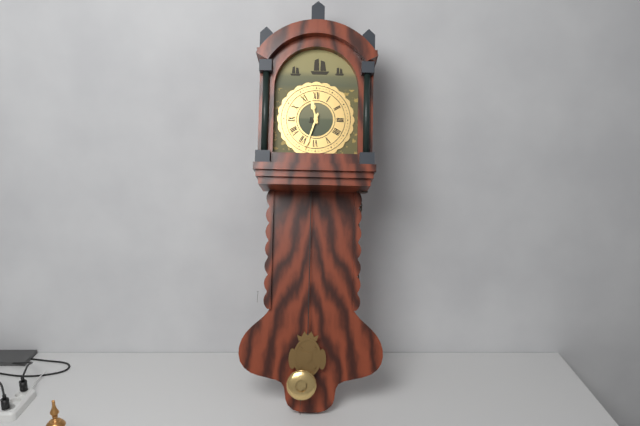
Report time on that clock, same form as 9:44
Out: 11:33
